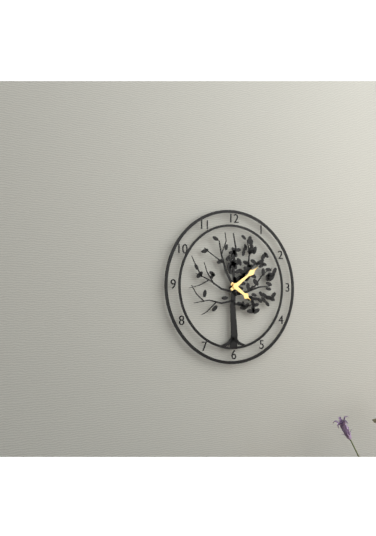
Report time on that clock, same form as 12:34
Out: 4:09
